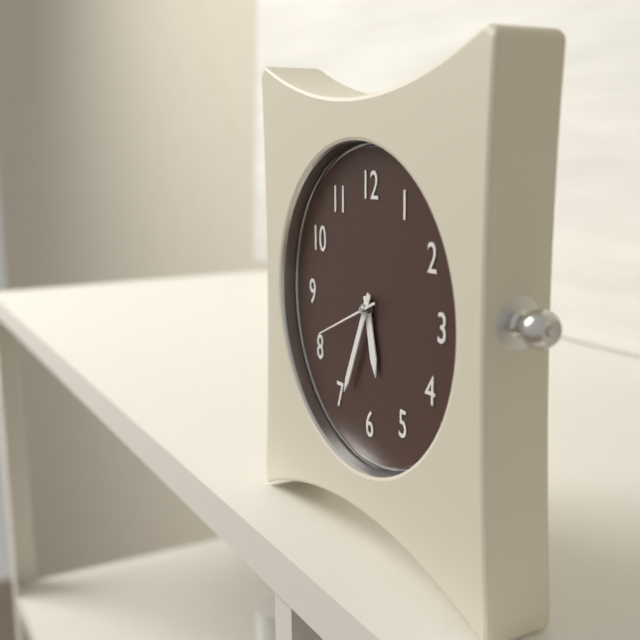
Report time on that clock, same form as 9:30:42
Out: 5:34:41
